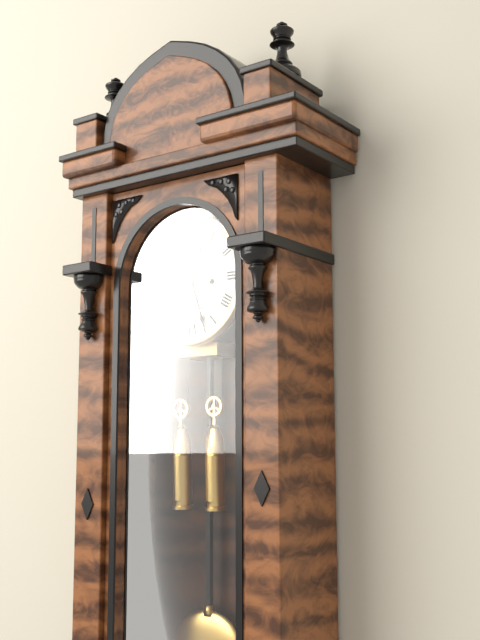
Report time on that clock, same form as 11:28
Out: 12:27
